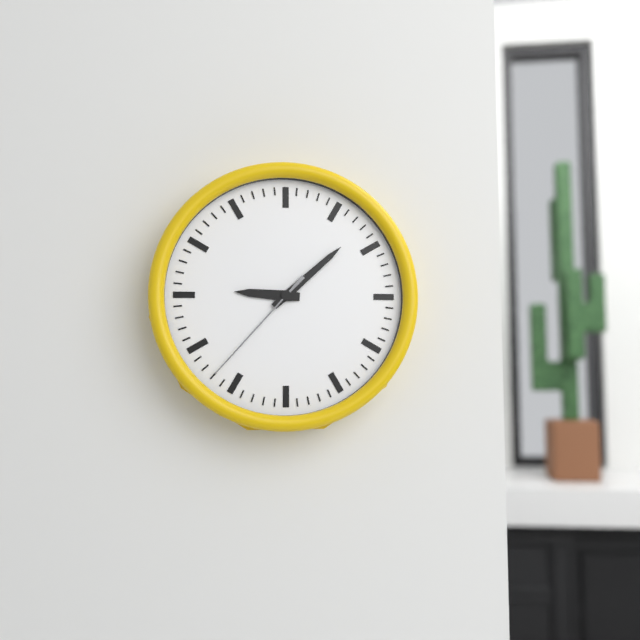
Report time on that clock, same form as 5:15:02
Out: 9:08:37
